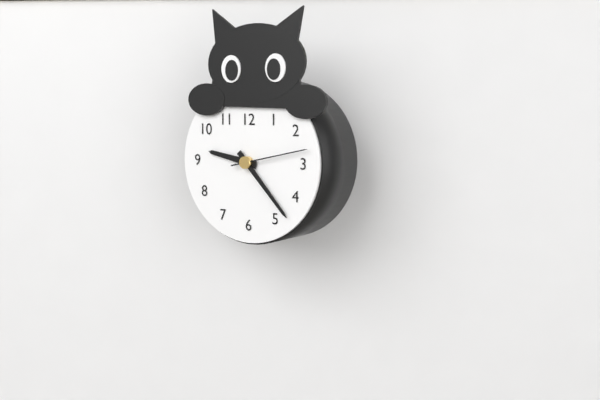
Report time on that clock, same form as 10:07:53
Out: 9:23:13
